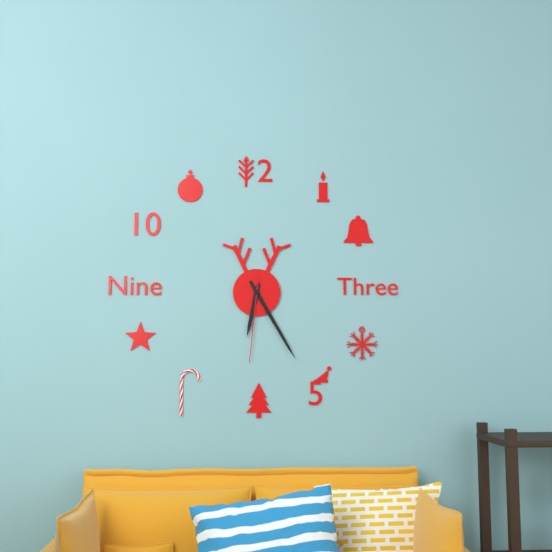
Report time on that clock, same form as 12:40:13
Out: 6:25:31
